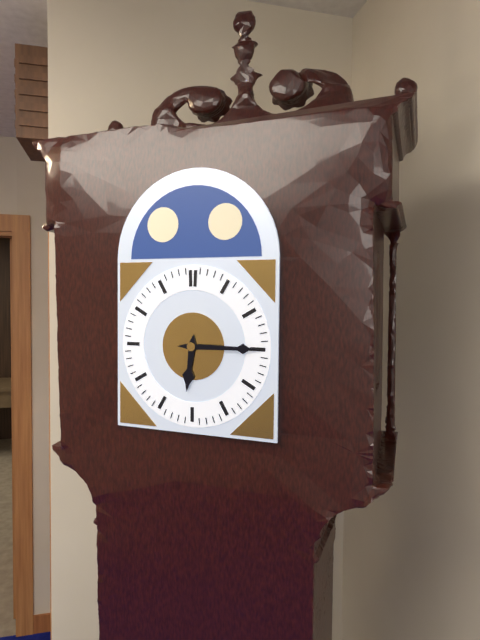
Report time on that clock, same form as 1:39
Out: 6:15
